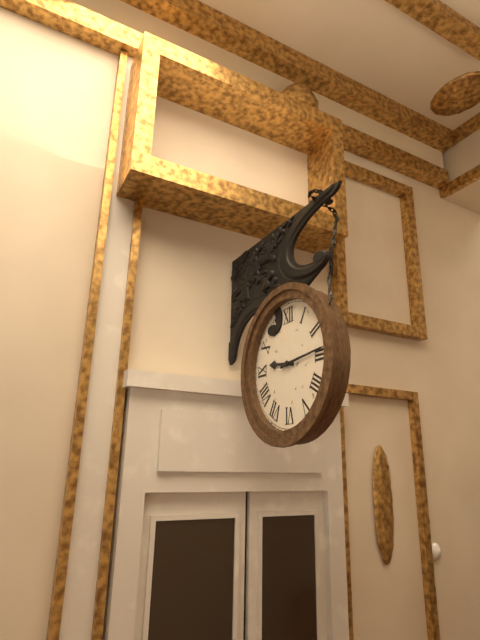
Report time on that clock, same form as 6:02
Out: 9:14
